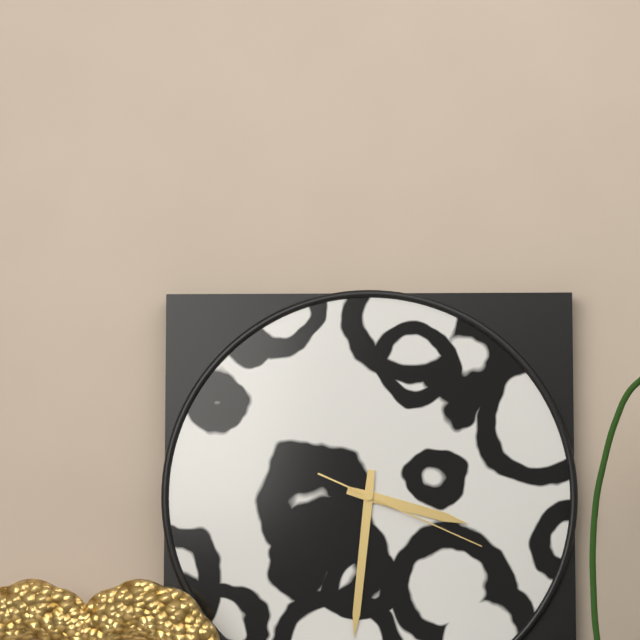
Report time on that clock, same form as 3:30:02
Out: 3:31:19
